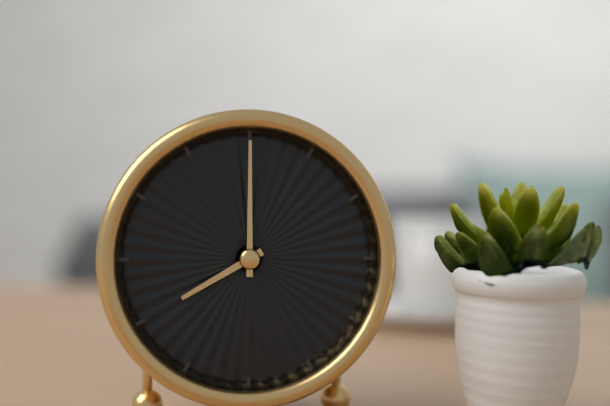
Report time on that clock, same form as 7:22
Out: 8:00
